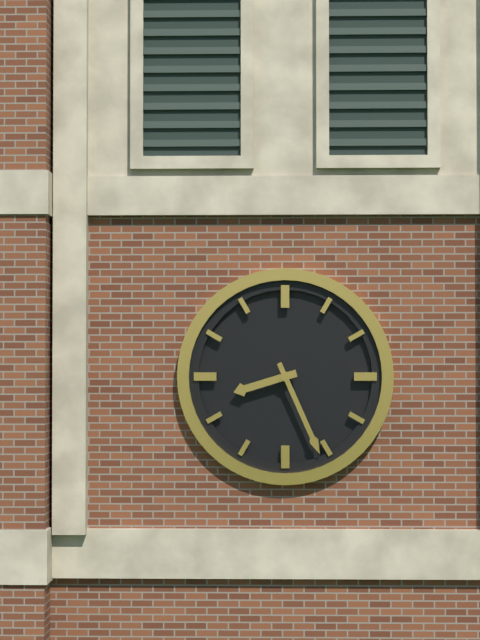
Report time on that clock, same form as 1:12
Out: 8:26
